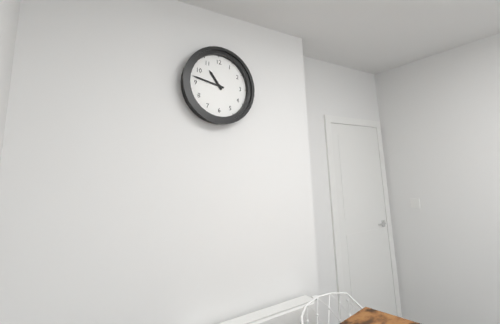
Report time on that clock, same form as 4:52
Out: 10:47
